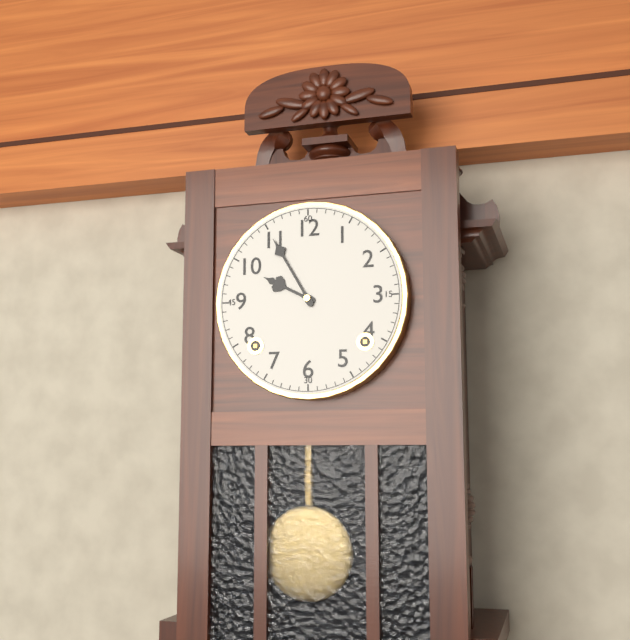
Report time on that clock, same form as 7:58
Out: 9:55
